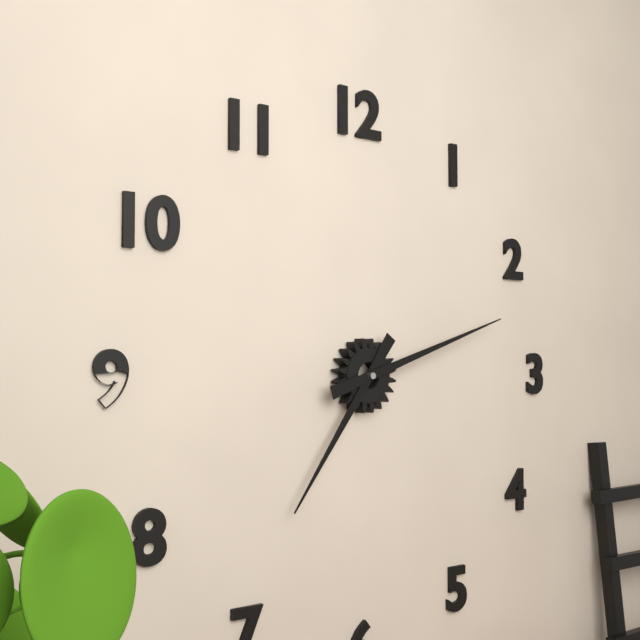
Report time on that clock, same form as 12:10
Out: 7:12
